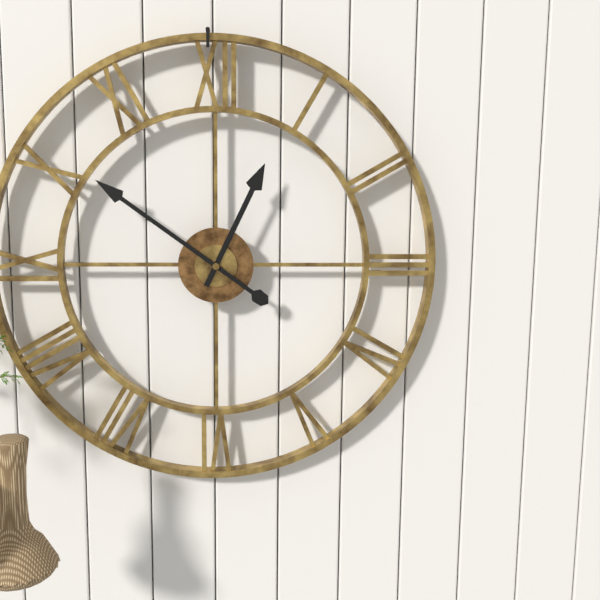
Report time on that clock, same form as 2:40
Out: 12:51
